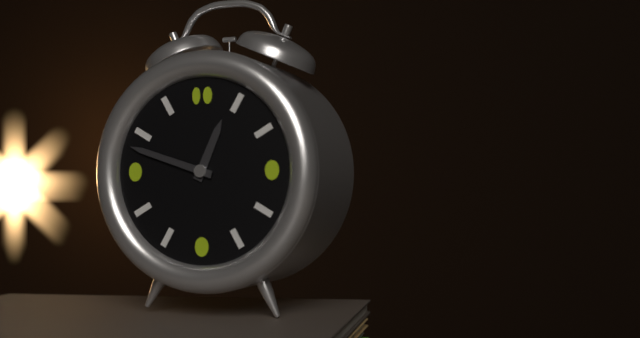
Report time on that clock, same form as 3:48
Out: 12:48
